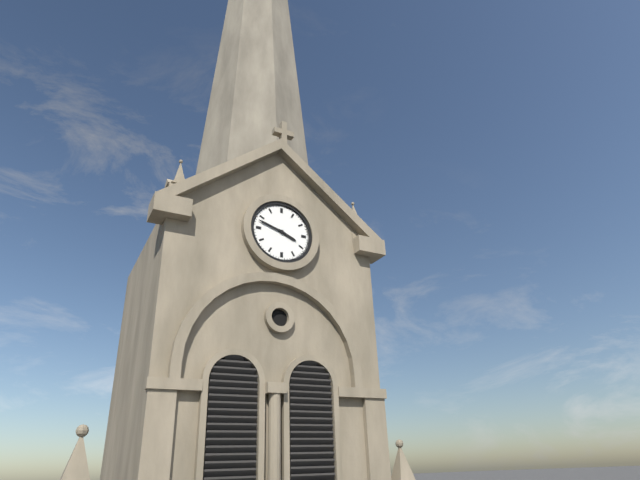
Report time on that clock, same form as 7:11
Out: 3:48
